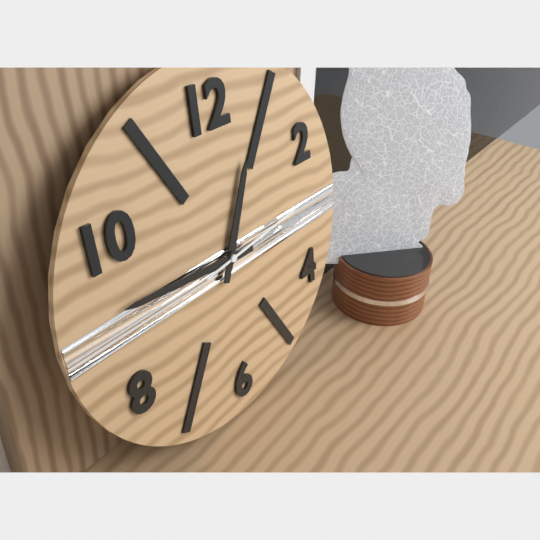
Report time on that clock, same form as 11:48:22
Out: 12:46:14
